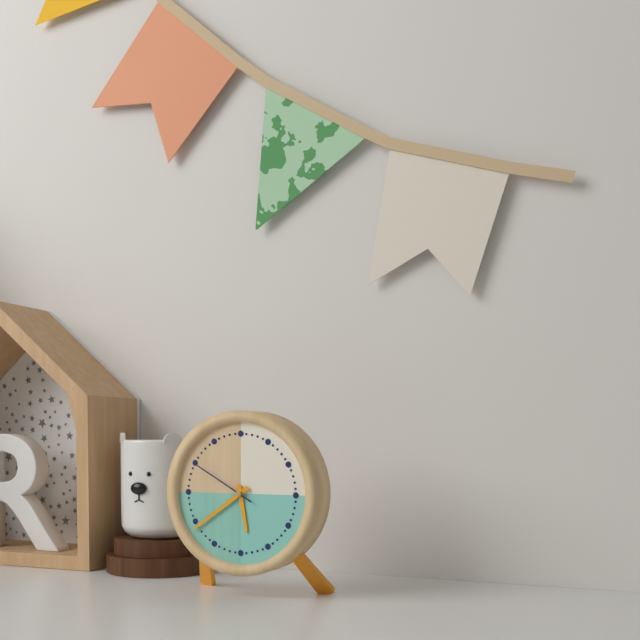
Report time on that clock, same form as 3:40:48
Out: 5:39:50
